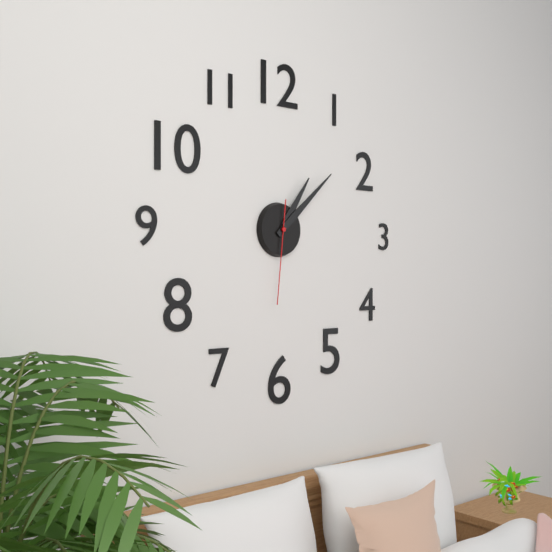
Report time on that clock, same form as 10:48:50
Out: 1:08:31
